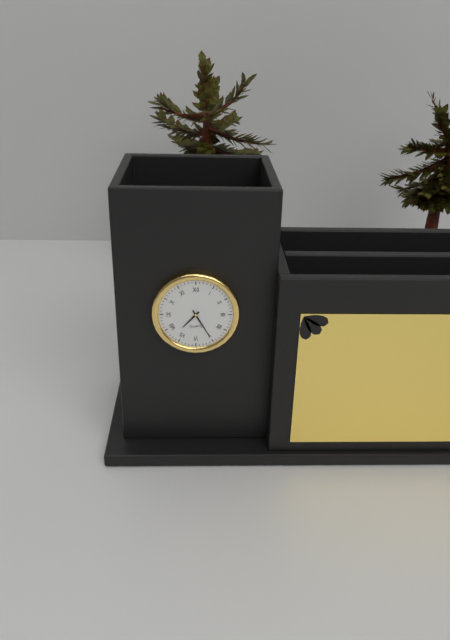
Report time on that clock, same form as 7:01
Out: 7:25
